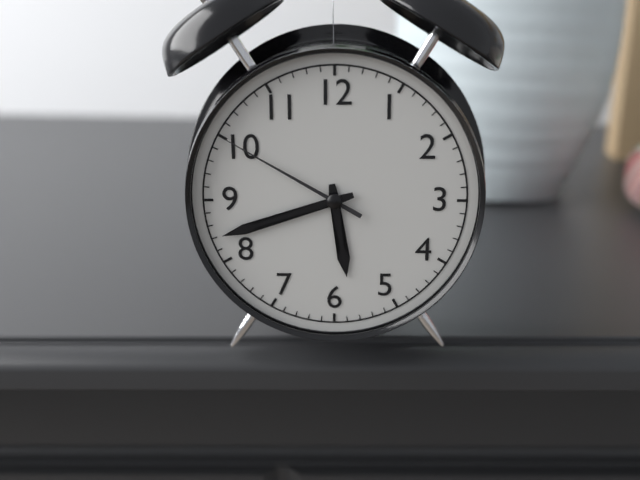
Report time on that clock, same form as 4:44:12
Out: 5:42:50
